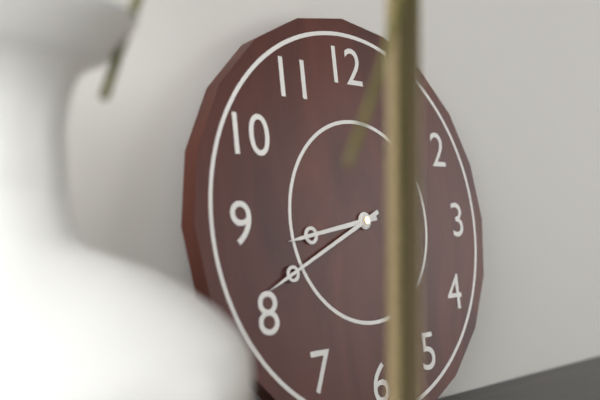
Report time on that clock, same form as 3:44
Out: 8:41
